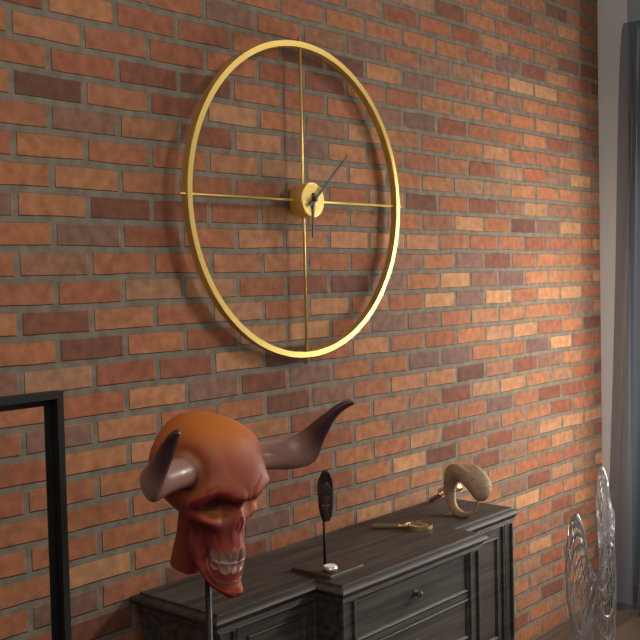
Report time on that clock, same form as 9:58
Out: 6:08
